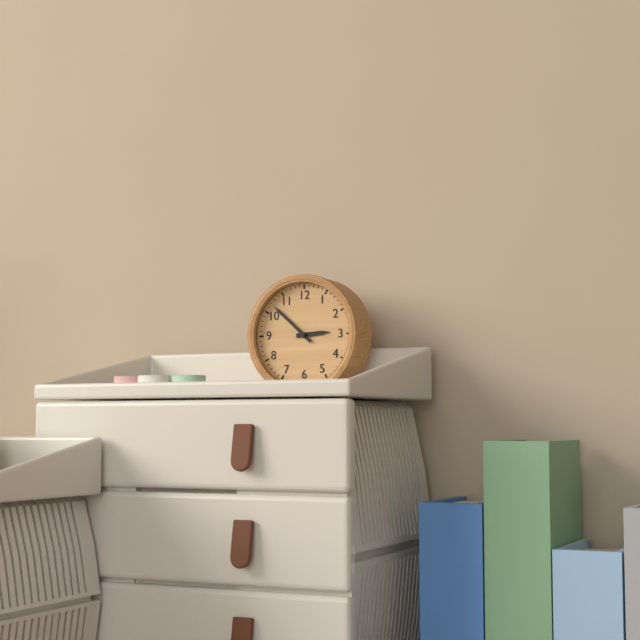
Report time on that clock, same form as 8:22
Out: 2:52
